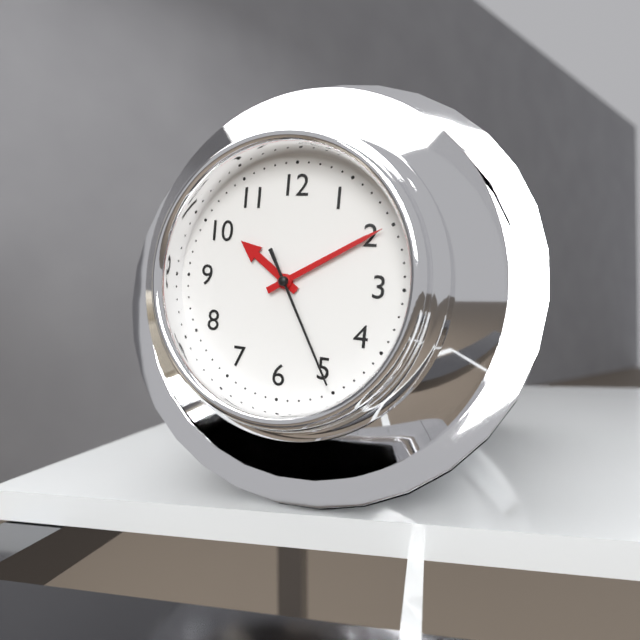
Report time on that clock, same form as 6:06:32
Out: 10:10:25
